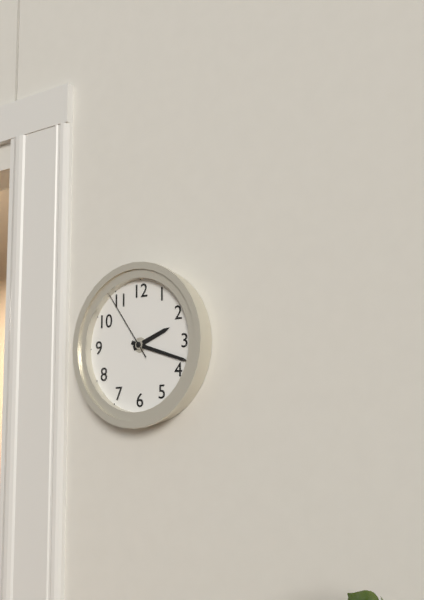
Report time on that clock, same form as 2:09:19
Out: 2:18:54
